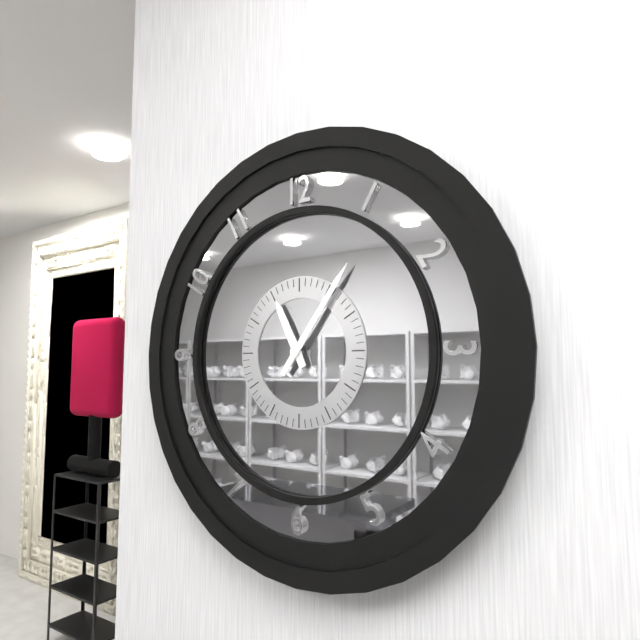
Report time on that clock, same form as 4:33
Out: 11:06
